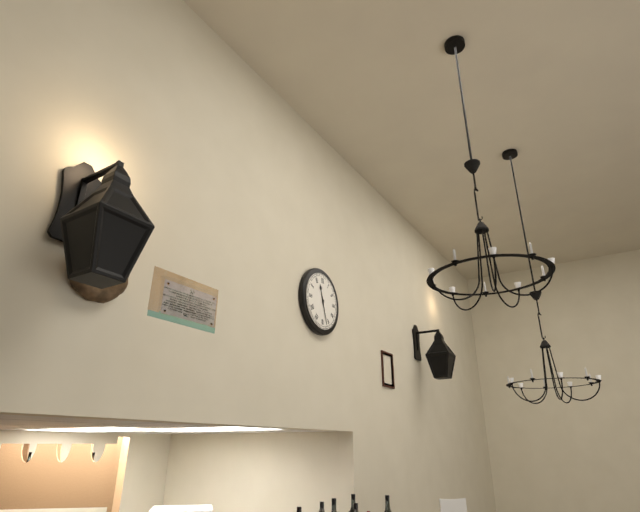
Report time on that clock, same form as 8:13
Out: 11:27
